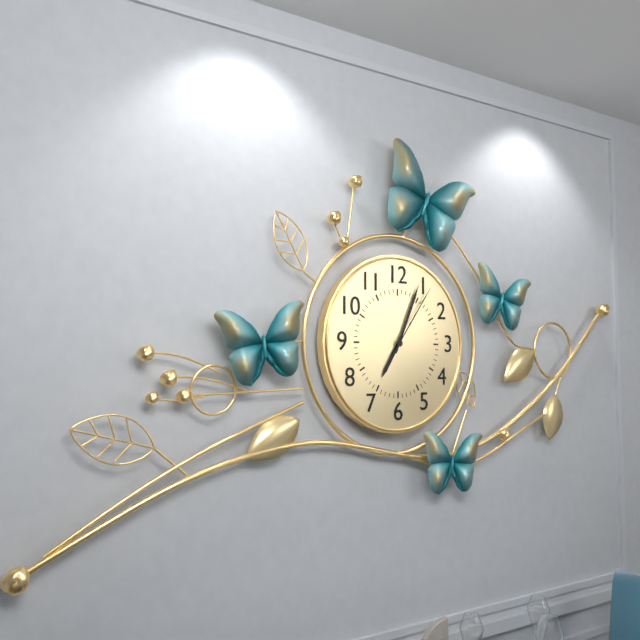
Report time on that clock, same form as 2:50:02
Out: 7:04:06
